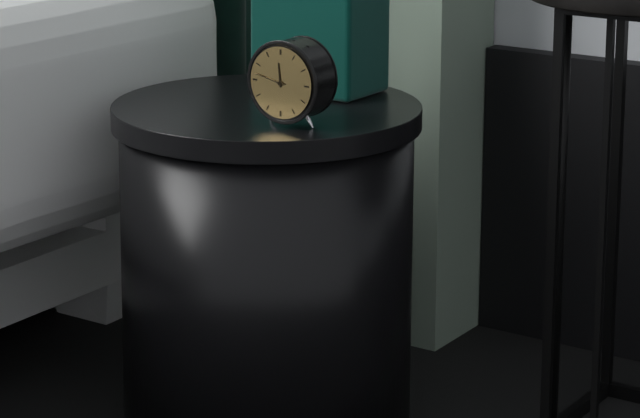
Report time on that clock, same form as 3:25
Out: 11:47
